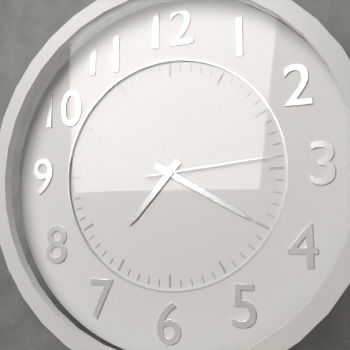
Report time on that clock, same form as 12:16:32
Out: 7:20:14
